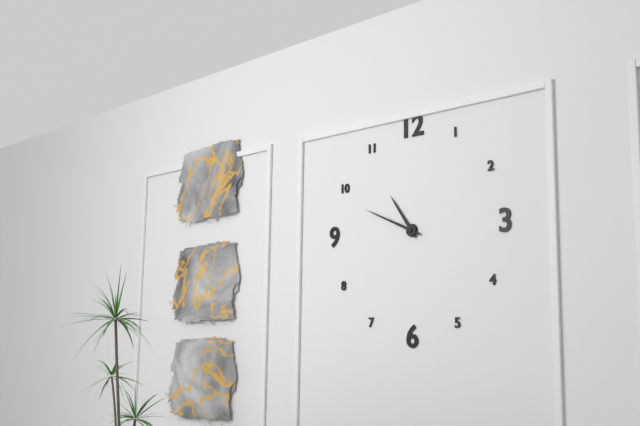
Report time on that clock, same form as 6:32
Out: 10:49
